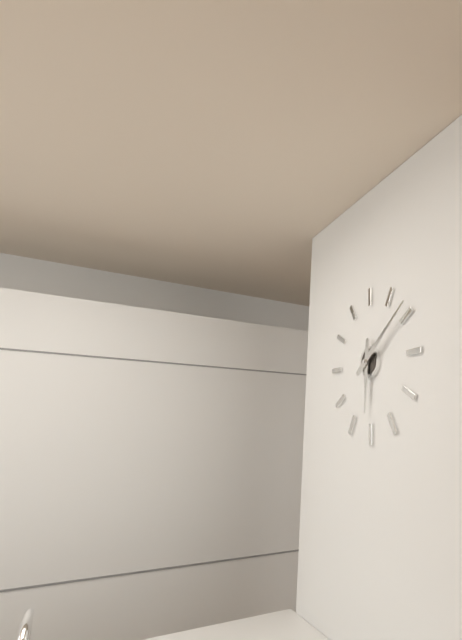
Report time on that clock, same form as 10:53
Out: 6:09
